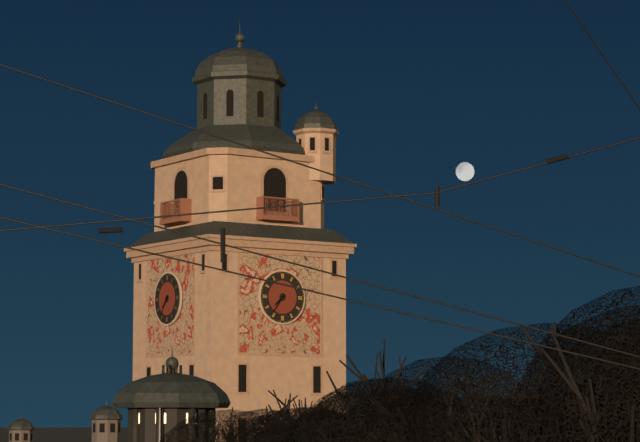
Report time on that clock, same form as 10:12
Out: 7:36
